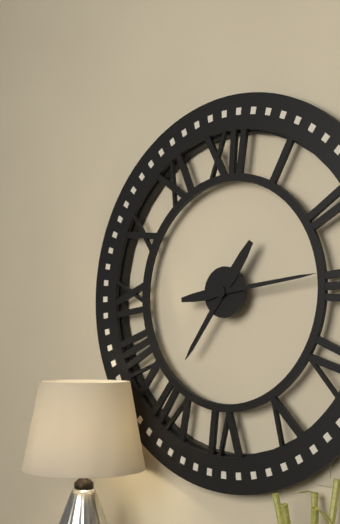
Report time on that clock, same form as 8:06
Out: 7:14
